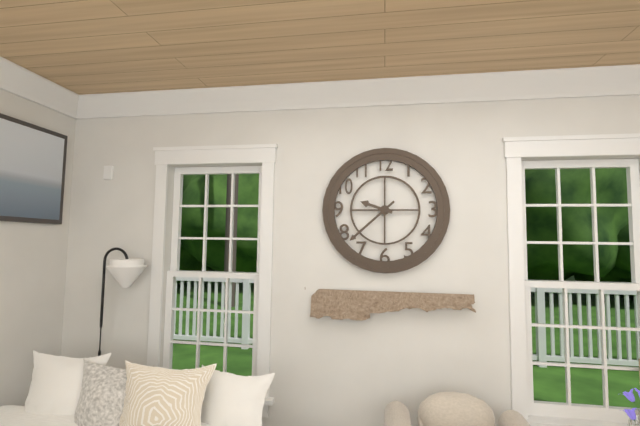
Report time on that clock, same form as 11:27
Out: 9:38
